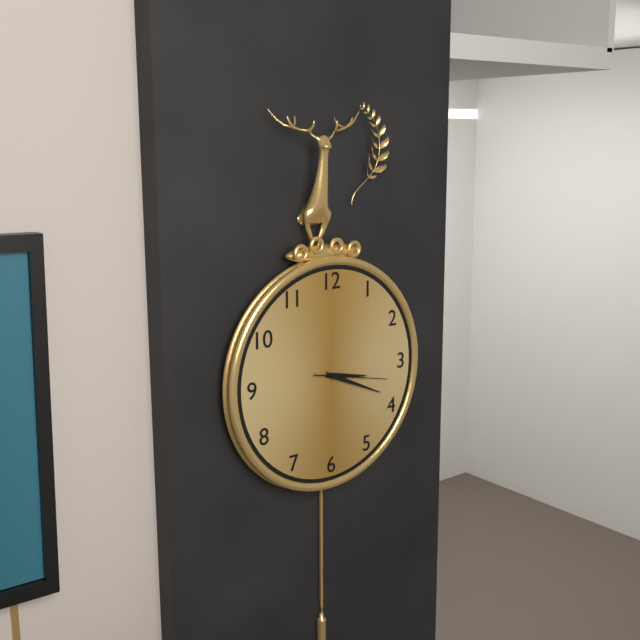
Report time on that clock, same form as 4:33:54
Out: 3:19:17
